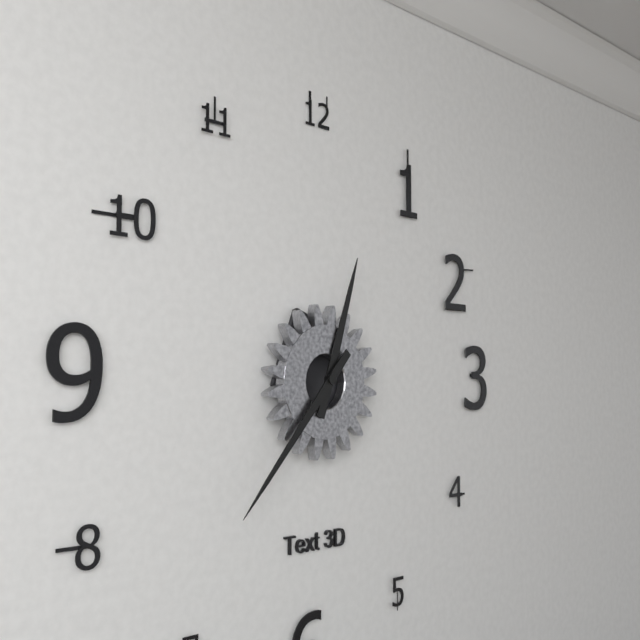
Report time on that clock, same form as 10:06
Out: 12:37
